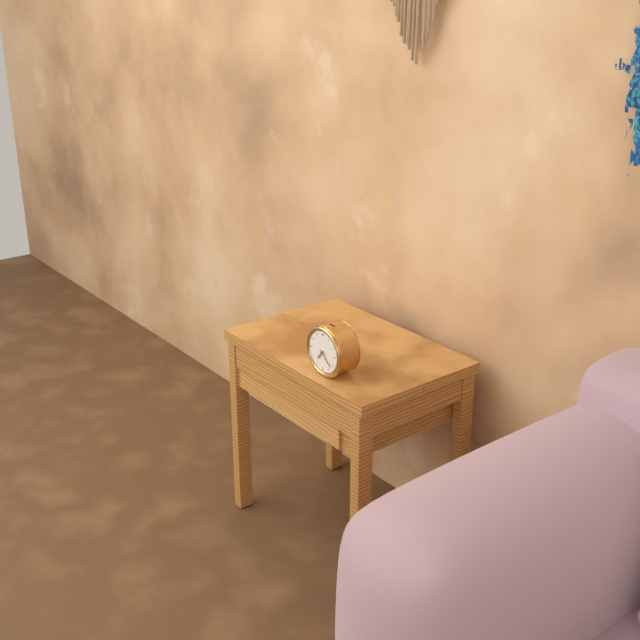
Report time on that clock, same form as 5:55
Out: 7:22
